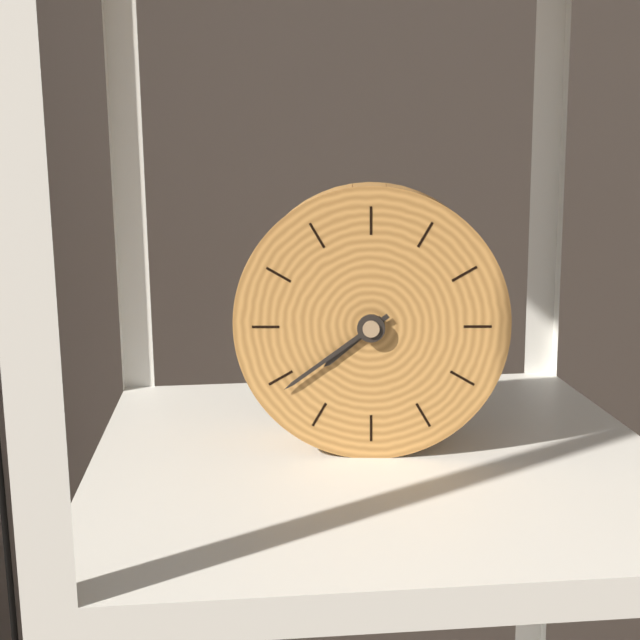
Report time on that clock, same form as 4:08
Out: 7:39
